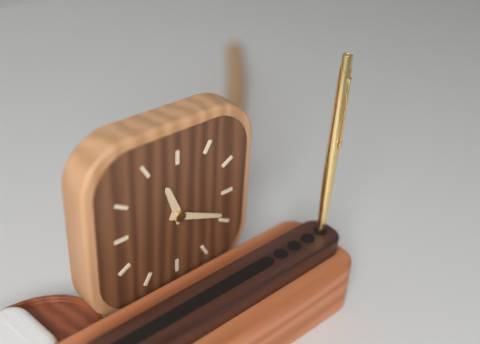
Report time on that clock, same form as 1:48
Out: 11:19
